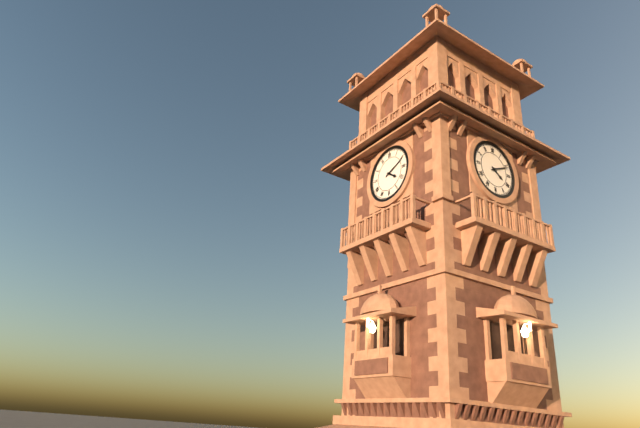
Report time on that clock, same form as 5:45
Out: 4:11
